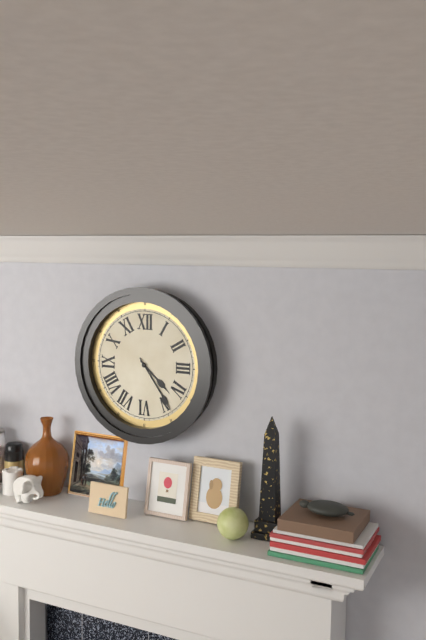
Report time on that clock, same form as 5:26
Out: 4:24
